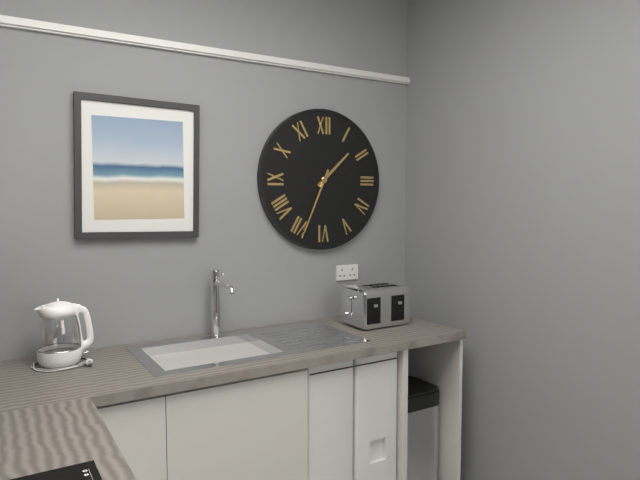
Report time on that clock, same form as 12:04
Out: 1:34
